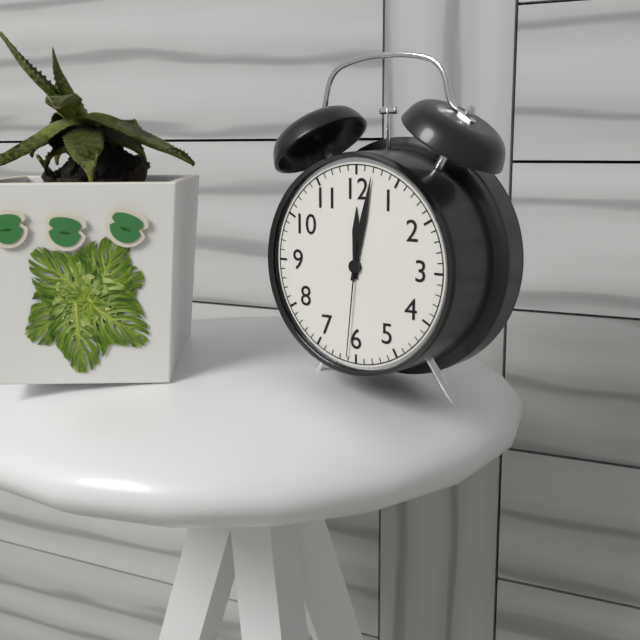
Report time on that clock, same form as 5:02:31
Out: 12:02:31
